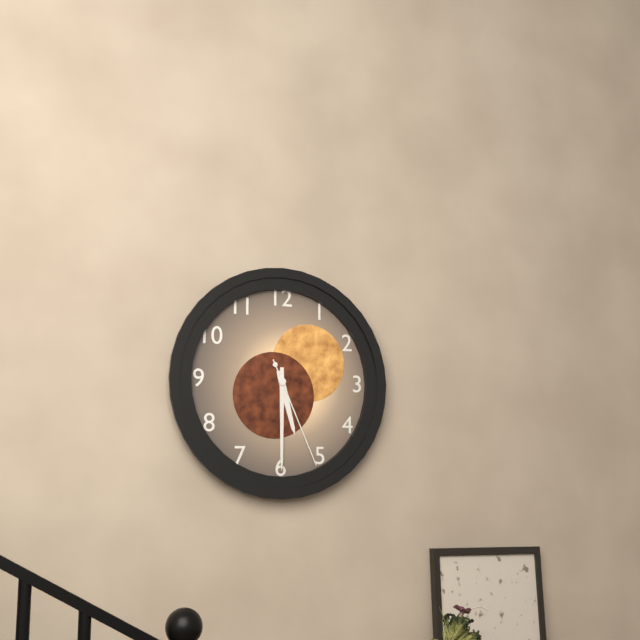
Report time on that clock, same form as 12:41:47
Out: 5:30:26
